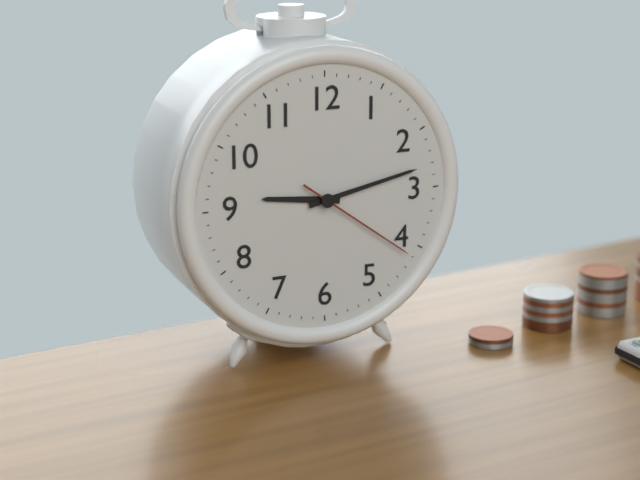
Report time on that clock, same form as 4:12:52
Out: 9:13:21
